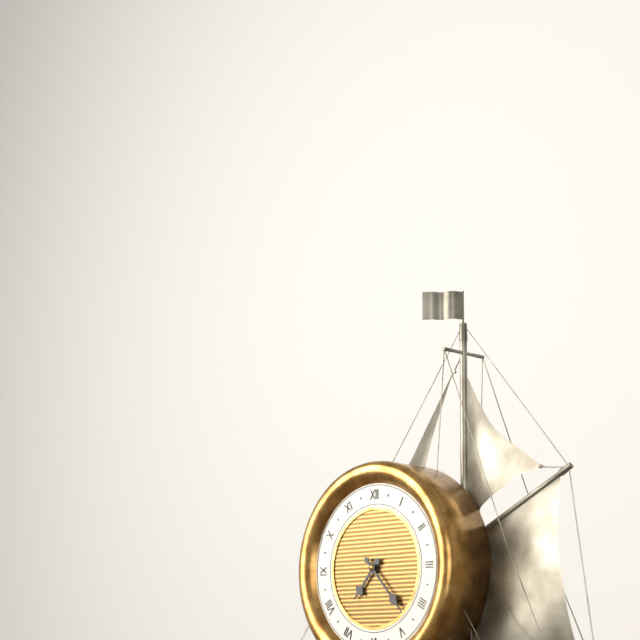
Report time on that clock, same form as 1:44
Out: 7:23
